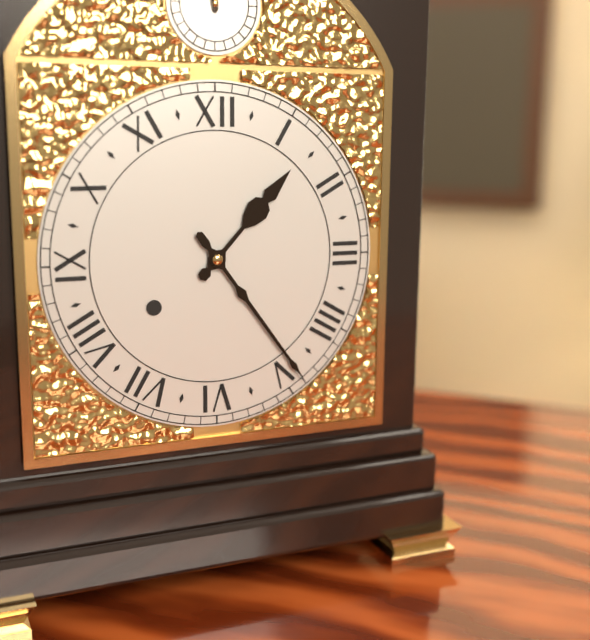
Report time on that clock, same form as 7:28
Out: 1:24
